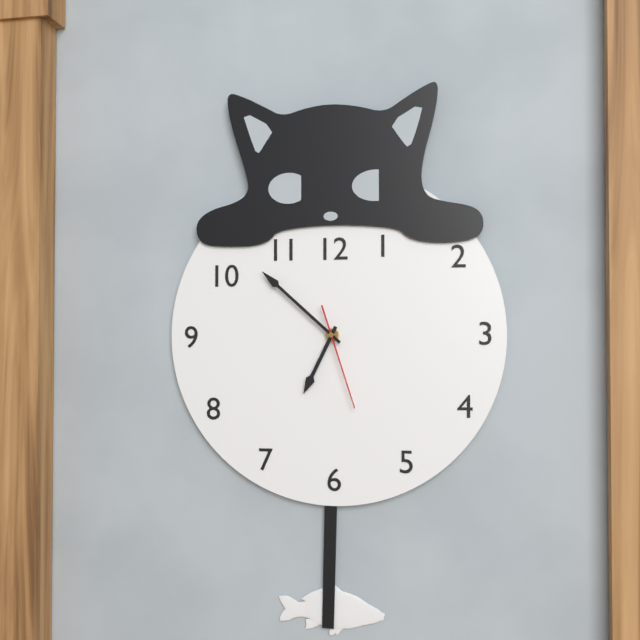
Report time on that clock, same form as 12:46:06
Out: 6:52:27
